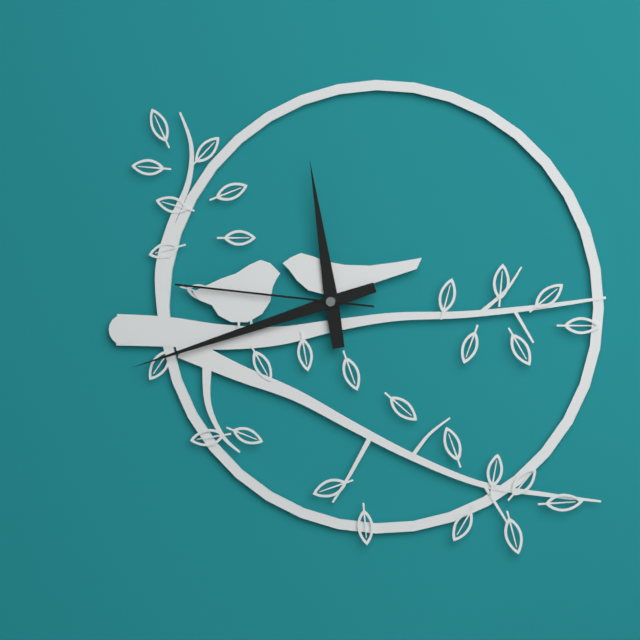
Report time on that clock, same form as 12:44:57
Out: 11:42:46
